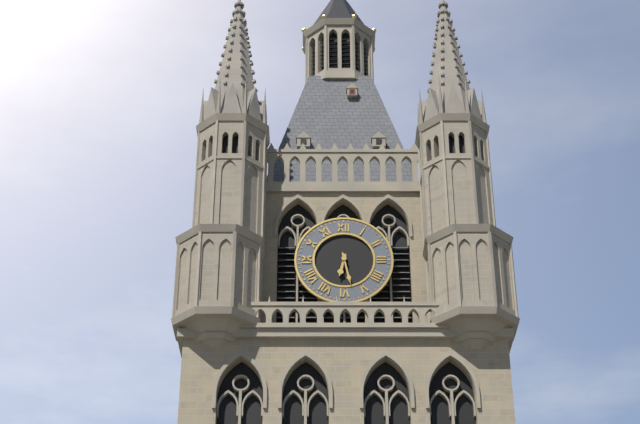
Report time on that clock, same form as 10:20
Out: 6:28
